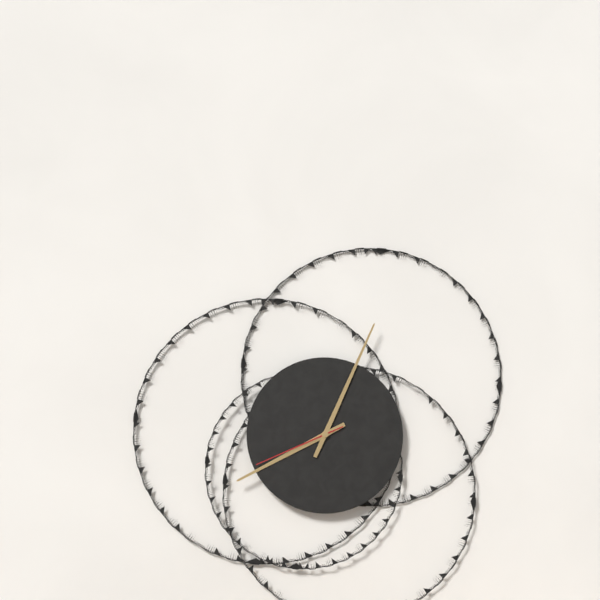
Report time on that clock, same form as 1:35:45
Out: 8:04:41
